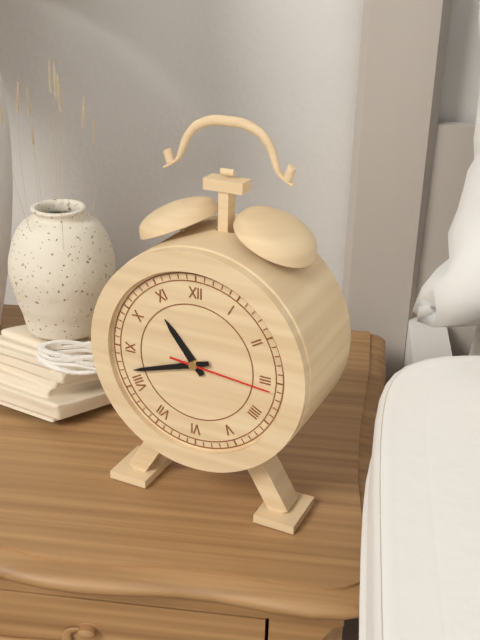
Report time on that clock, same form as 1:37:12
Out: 10:42:16
